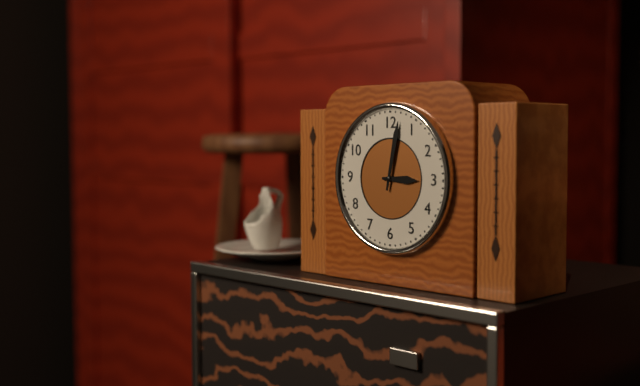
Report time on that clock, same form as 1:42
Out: 3:02
